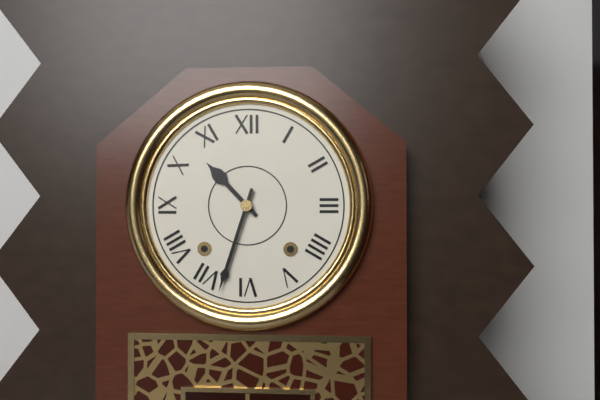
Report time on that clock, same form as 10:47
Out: 10:33
